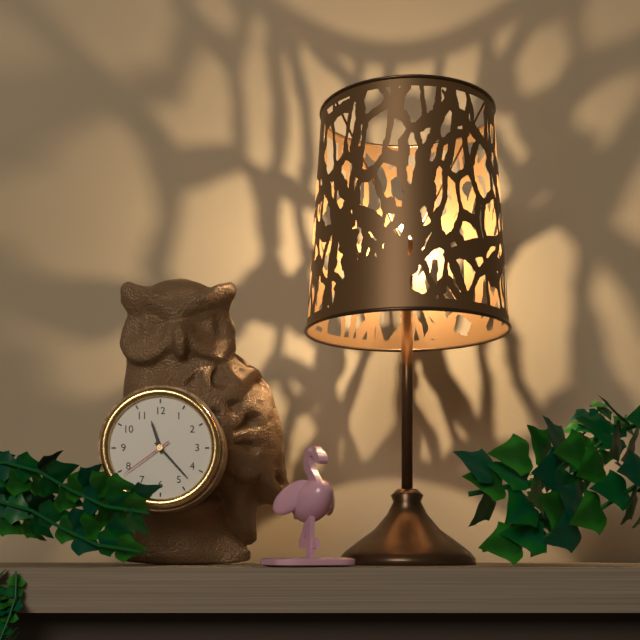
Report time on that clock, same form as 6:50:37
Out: 11:23:39
